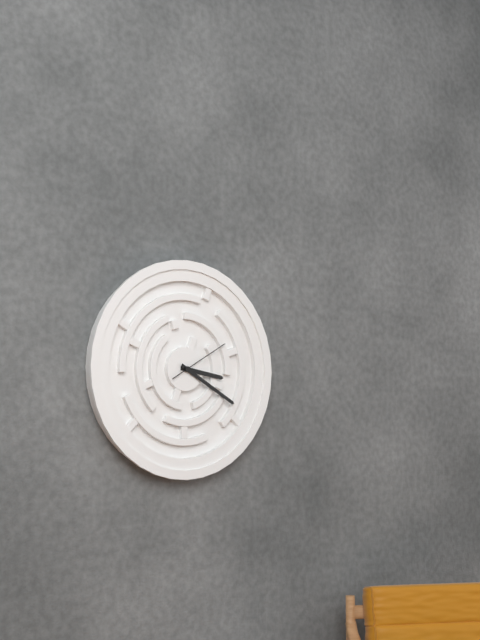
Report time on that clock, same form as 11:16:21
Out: 3:20:10
